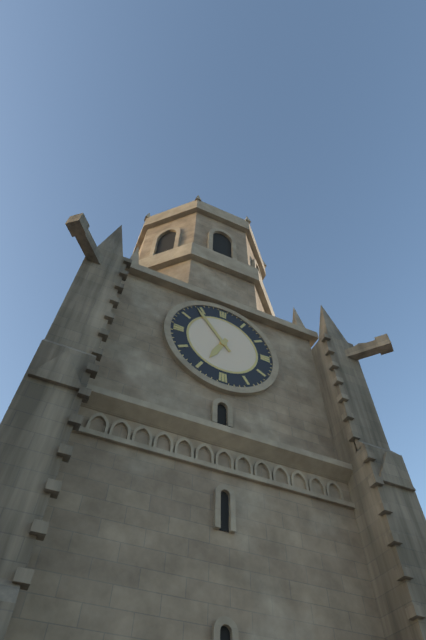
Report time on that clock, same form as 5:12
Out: 6:54
